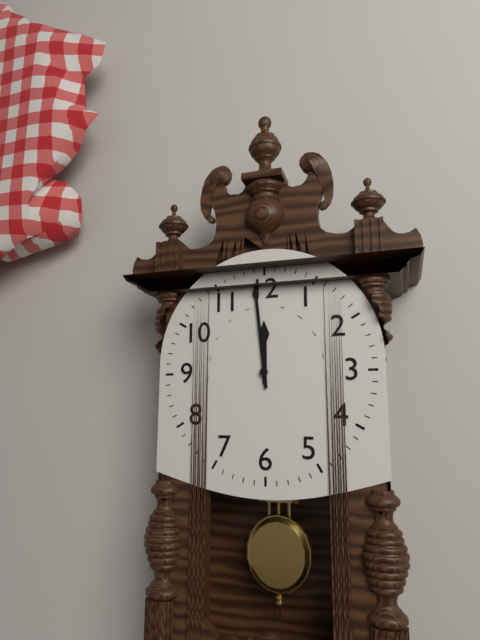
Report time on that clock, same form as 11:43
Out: 11:59
